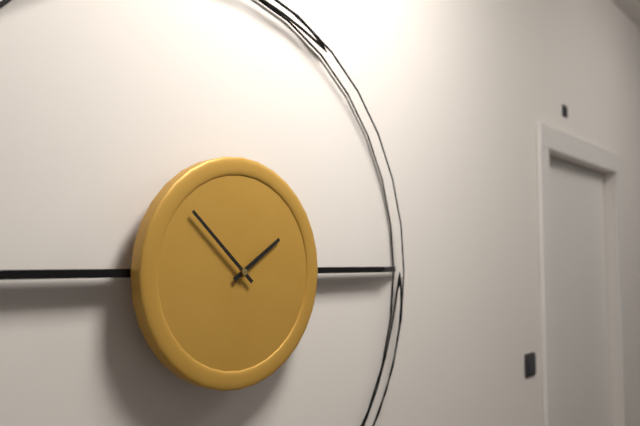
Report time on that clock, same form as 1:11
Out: 1:52
